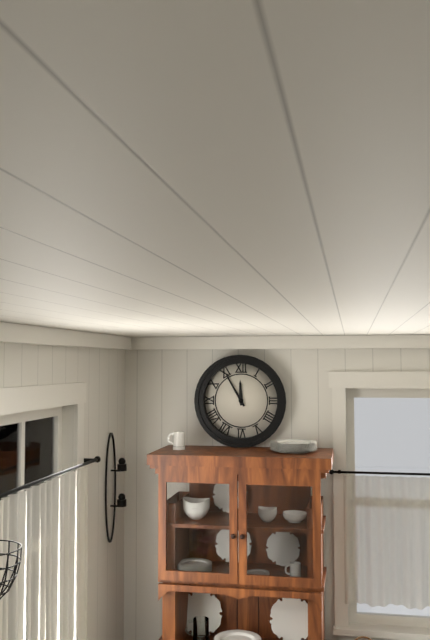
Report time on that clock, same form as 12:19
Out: 11:55
